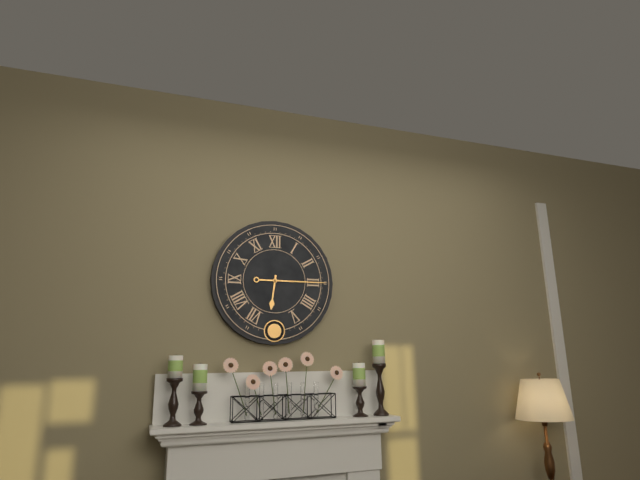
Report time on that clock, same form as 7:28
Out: 6:15
